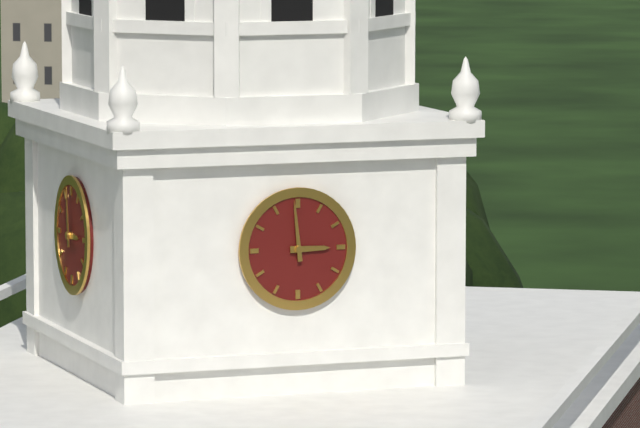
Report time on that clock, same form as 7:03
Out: 2:59
